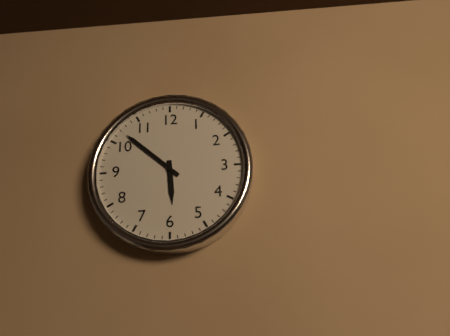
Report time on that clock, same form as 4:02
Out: 5:52
